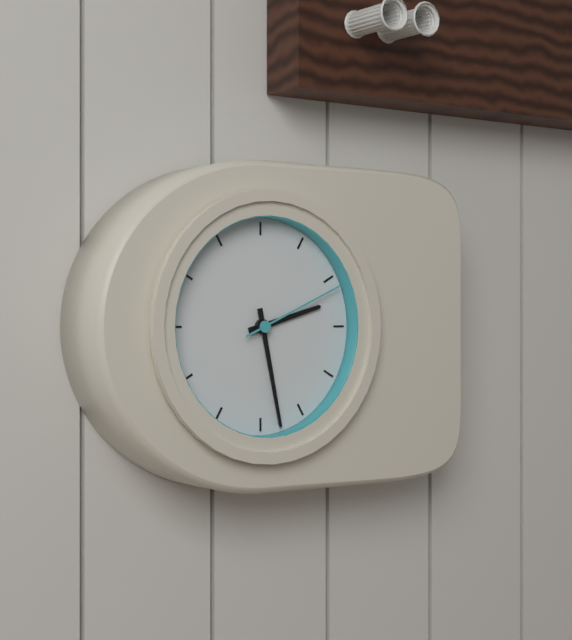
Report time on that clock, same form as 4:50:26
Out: 2:28:11
